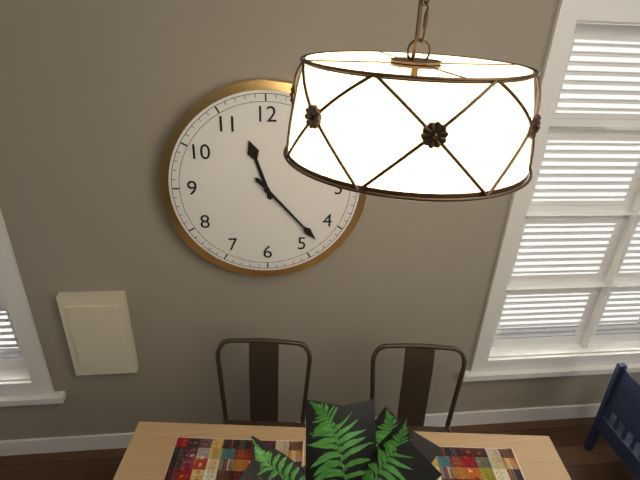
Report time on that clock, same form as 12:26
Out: 11:23
